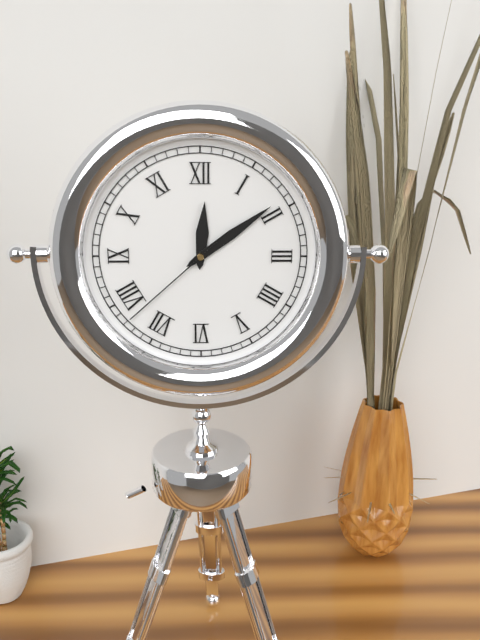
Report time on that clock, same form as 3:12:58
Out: 12:09:38
